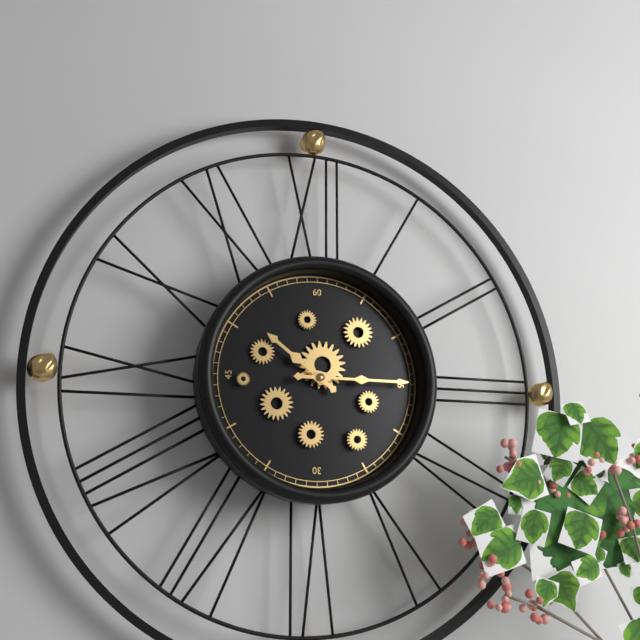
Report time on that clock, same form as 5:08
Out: 10:15
